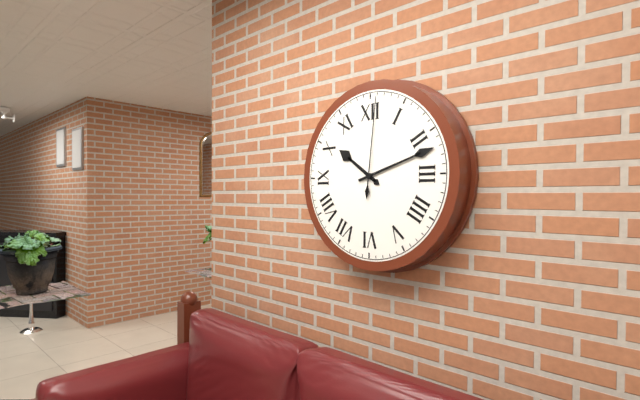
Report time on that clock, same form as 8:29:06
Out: 10:12:01
